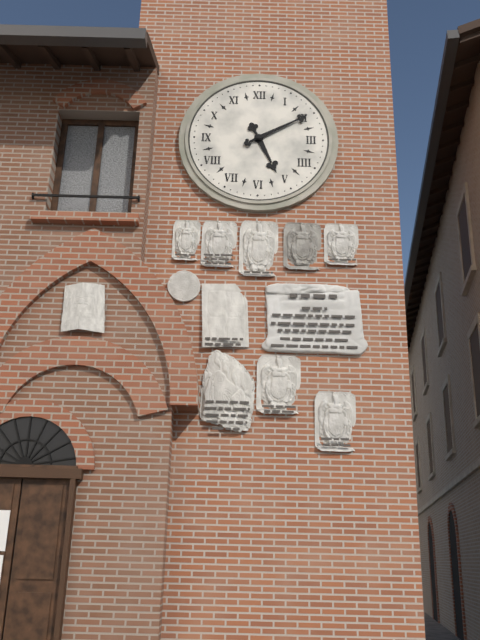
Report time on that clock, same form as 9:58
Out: 5:10
